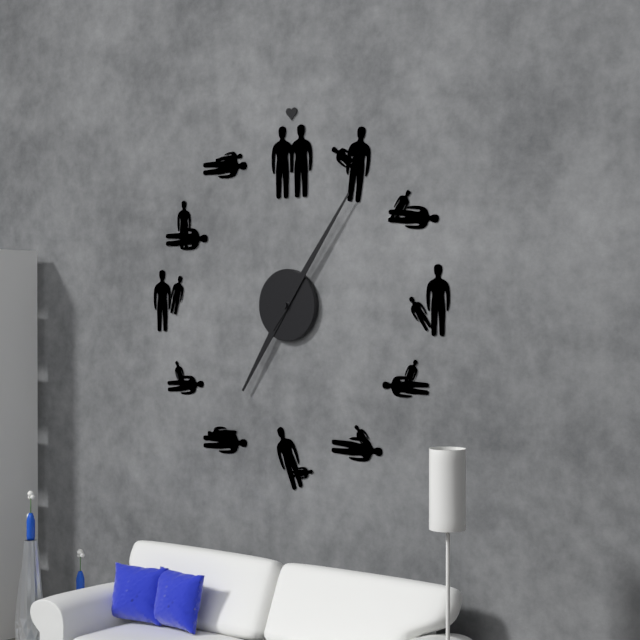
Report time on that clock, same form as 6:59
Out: 7:06
